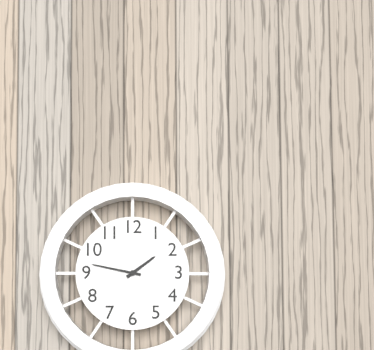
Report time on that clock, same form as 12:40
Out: 1:47
